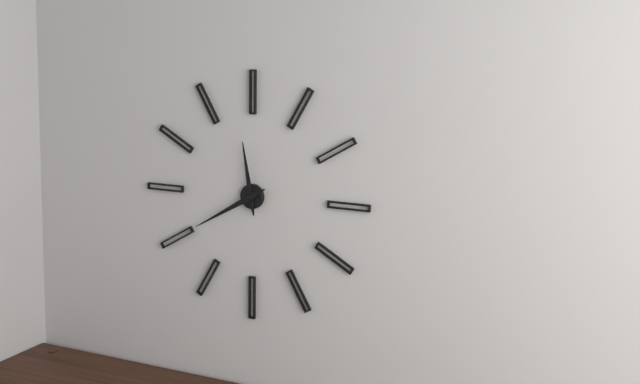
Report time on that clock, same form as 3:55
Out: 11:40
